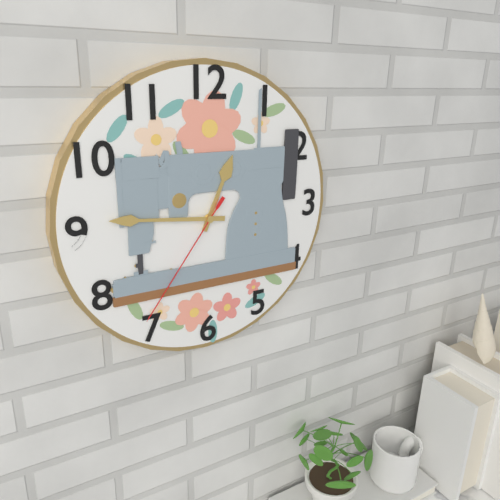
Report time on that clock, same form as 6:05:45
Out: 12:46:36
